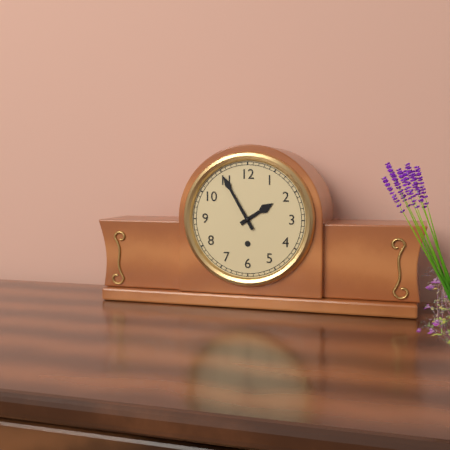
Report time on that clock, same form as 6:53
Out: 1:55
